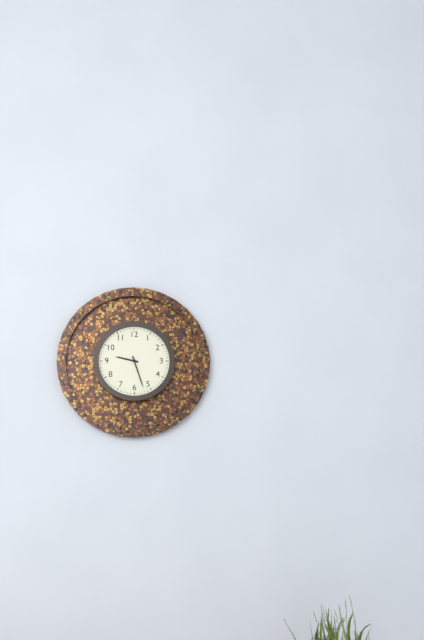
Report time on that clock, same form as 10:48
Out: 9:27
